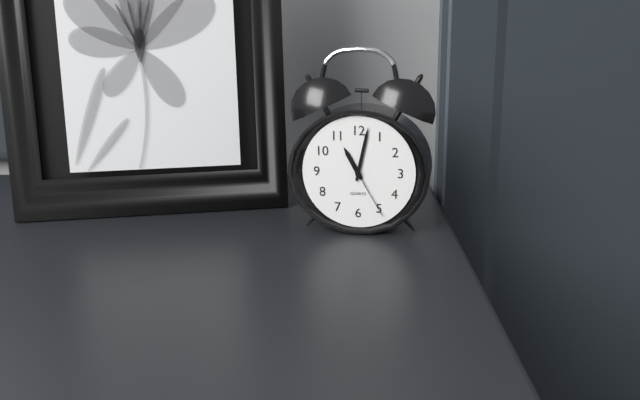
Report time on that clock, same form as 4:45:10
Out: 11:02:25
